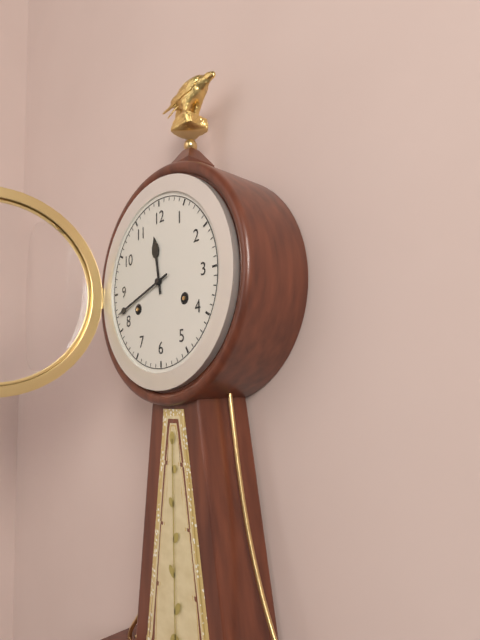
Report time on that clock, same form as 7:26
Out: 11:42
